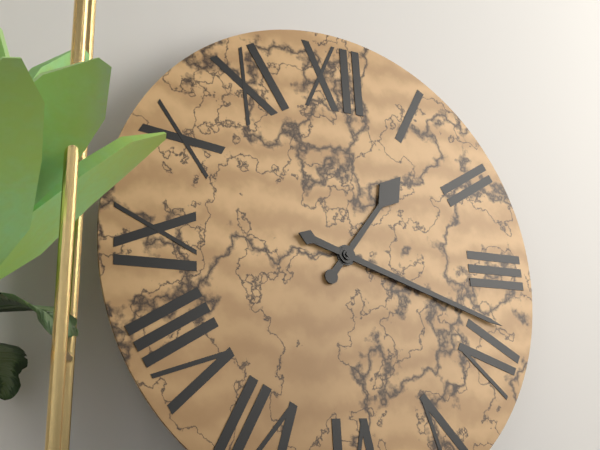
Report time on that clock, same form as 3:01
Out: 1:18
